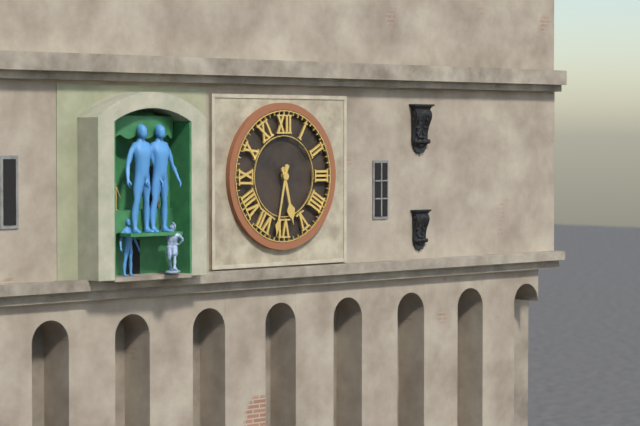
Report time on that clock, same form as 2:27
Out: 5:32
